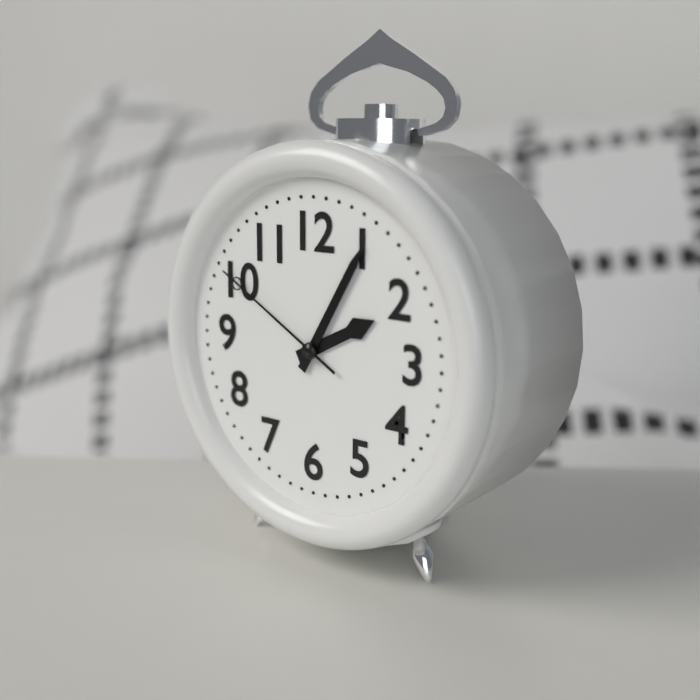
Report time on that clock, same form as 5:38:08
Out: 2:05:50
